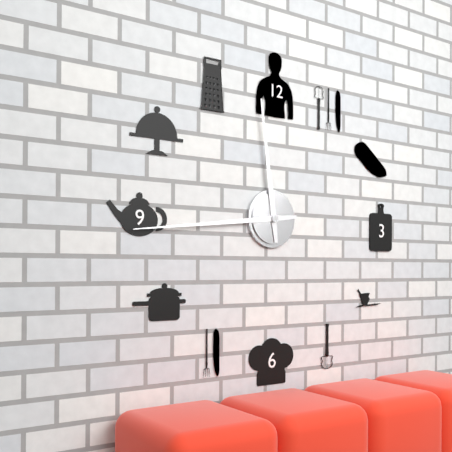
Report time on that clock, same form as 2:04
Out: 11:44
